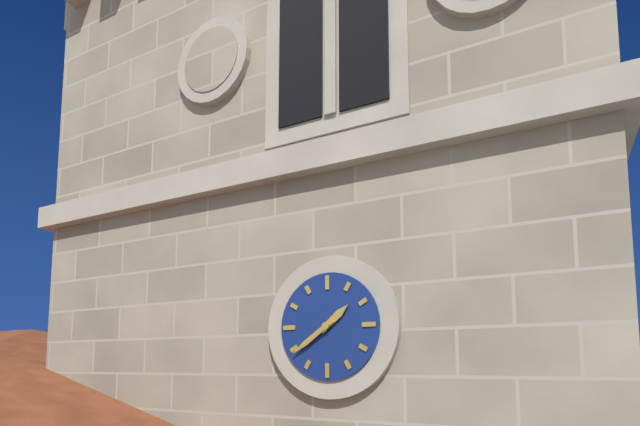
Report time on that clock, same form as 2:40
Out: 1:39
